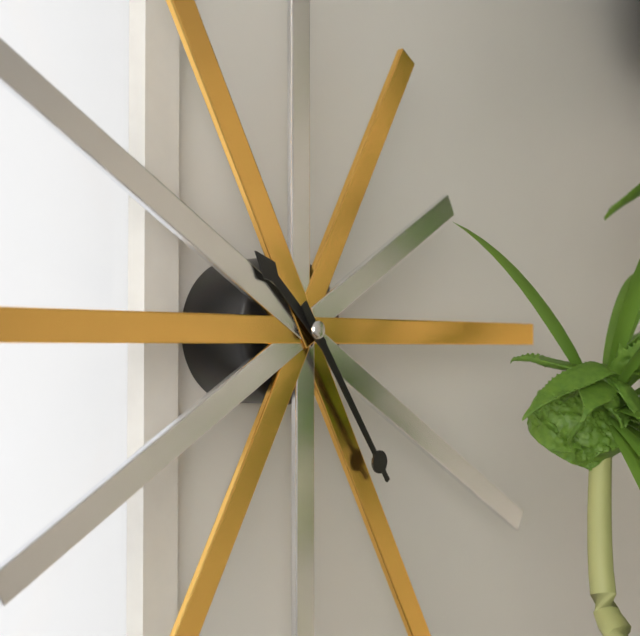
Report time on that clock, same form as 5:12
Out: 10:24
